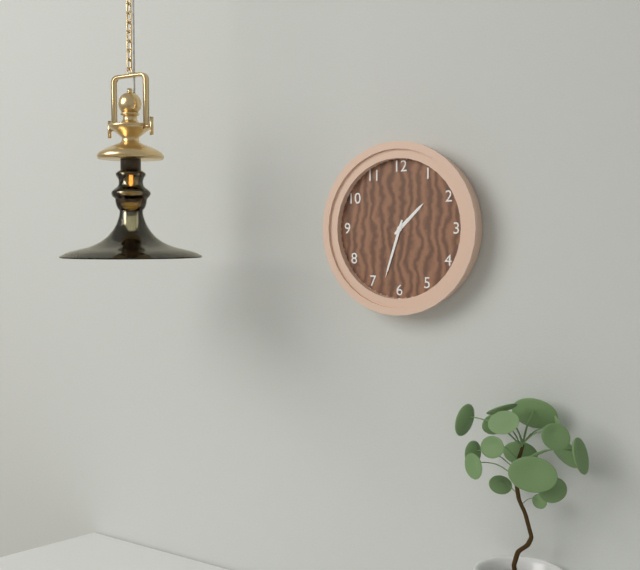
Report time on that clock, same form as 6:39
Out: 1:33
